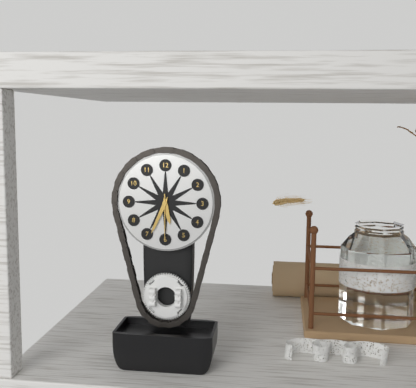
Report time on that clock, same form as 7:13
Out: 5:34
